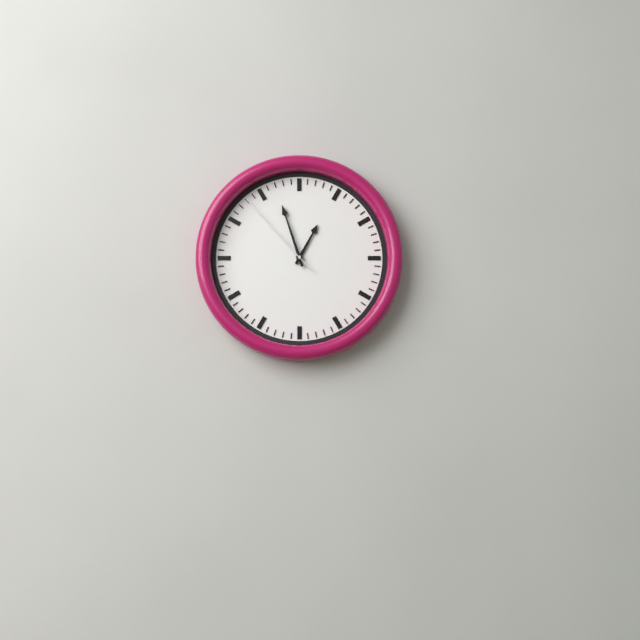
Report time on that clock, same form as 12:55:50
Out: 12:57:53
